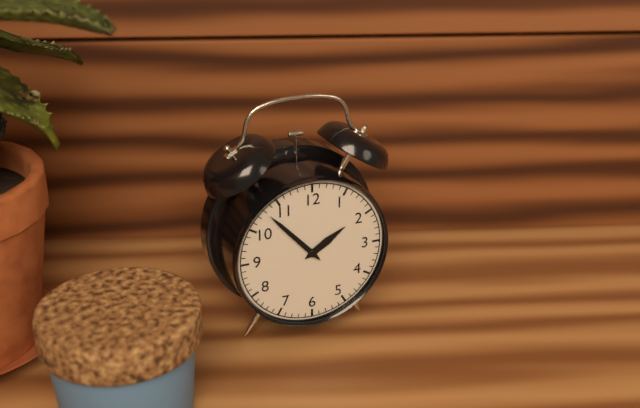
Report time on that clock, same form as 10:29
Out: 1:53
